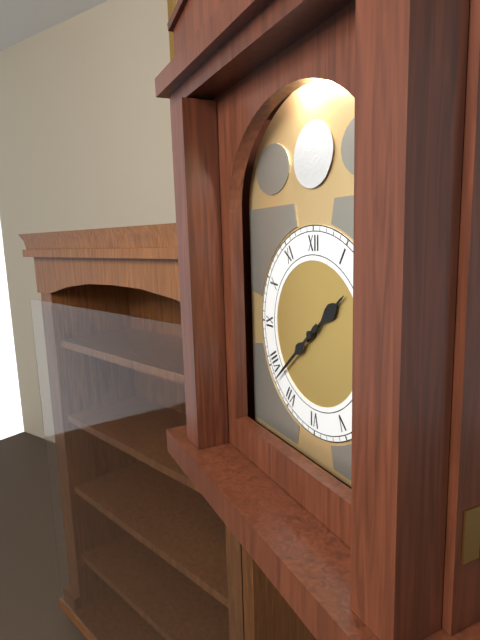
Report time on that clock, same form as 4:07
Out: 1:38
